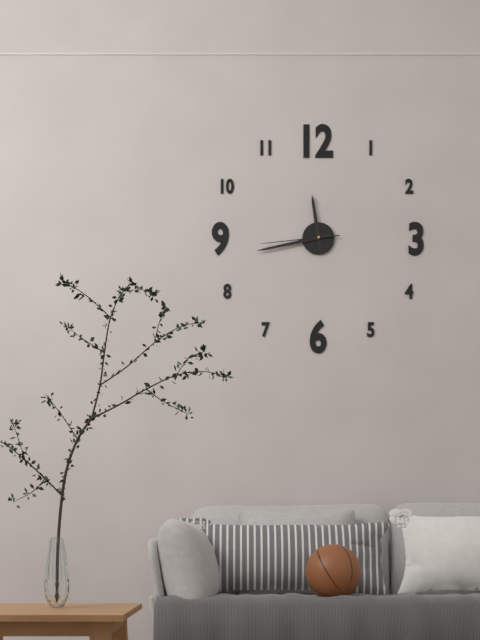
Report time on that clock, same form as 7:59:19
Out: 11:43:44
